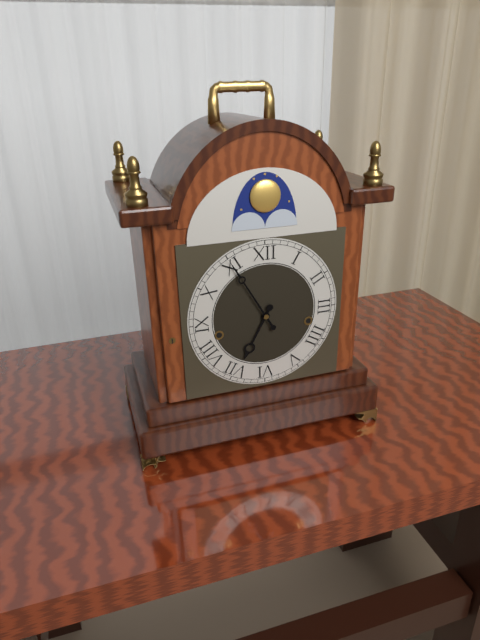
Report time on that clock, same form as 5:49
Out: 6:55
